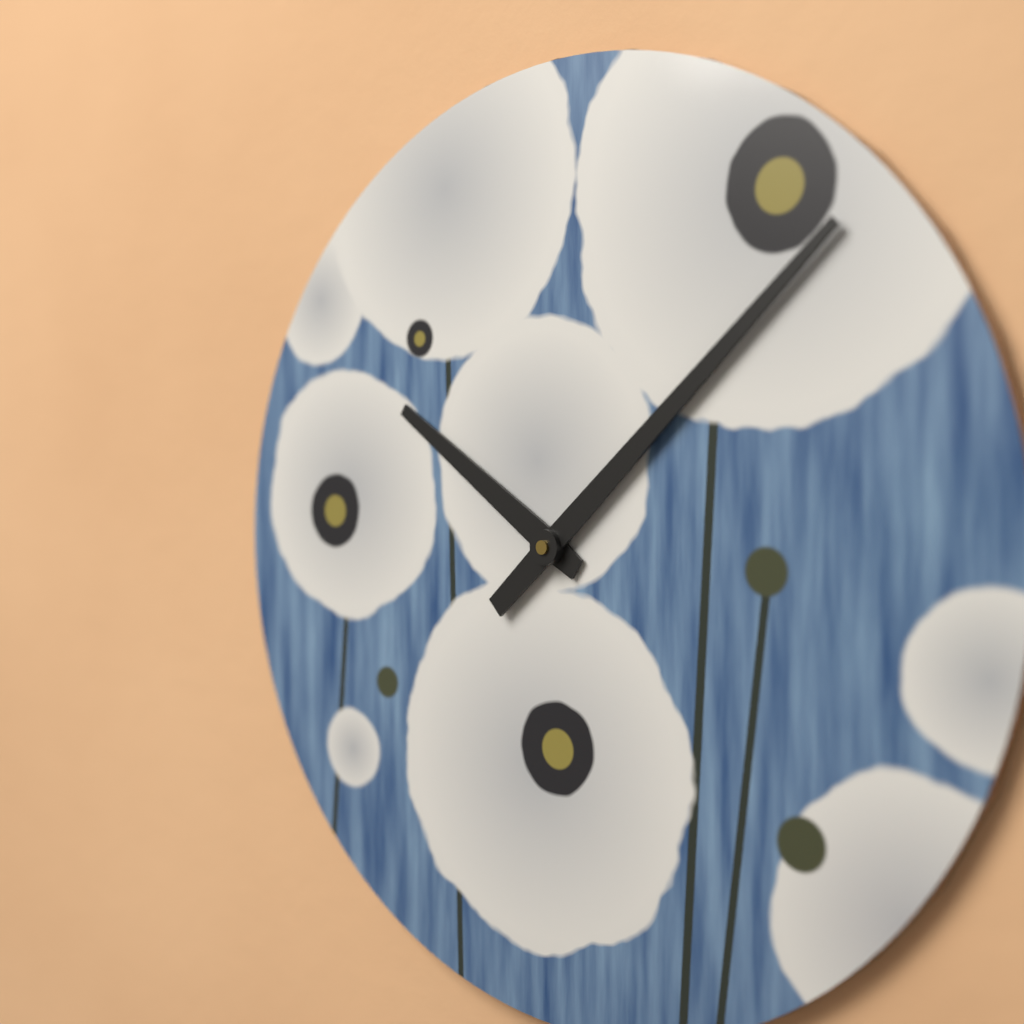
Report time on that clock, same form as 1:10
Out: 10:08
